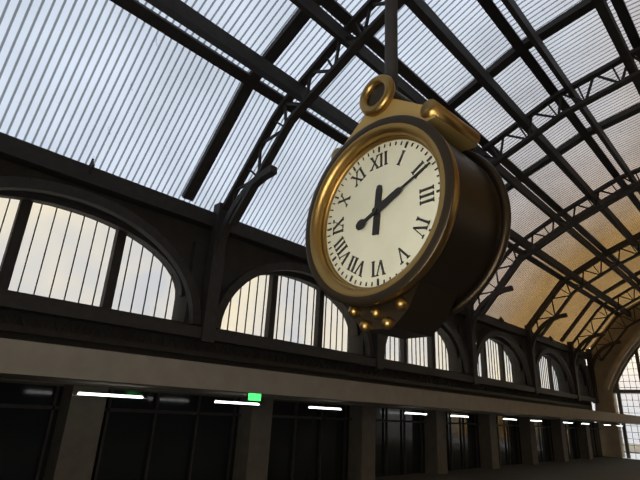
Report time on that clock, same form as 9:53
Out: 12:11
